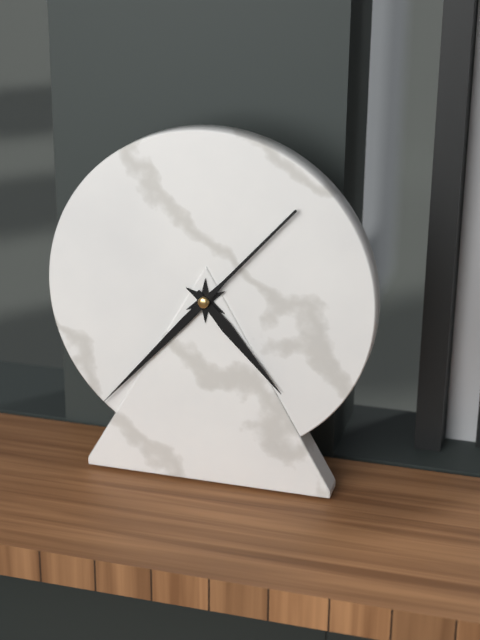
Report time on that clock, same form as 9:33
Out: 4:37
